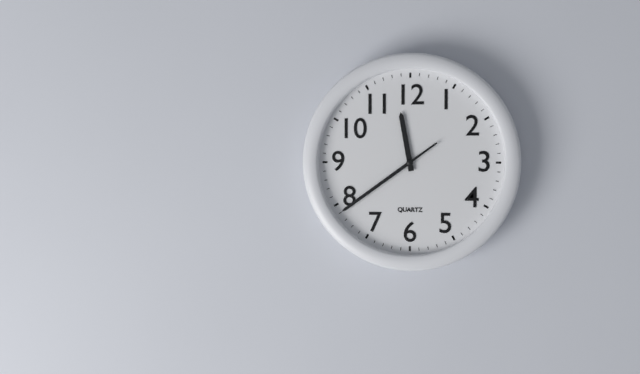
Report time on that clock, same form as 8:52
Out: 11:39
